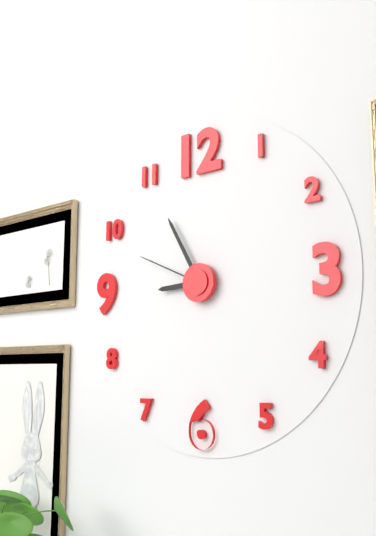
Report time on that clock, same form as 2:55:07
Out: 8:55:49
